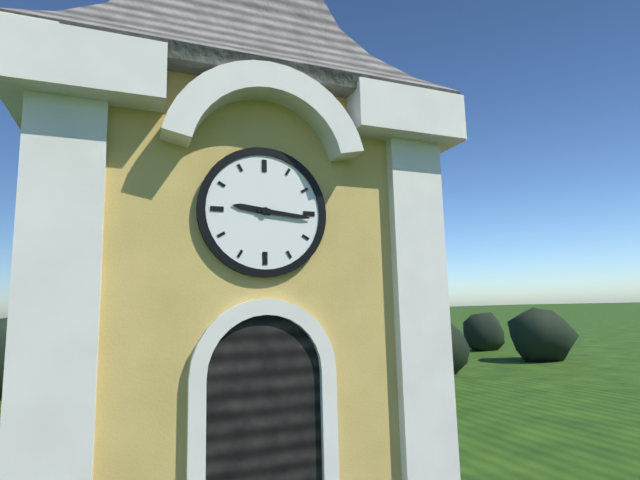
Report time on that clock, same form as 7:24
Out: 9:16
